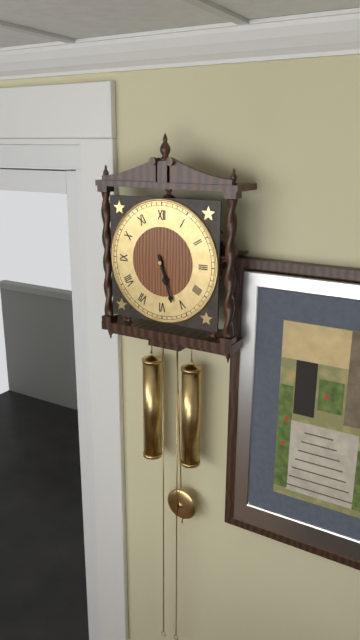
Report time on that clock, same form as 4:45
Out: 5:27
